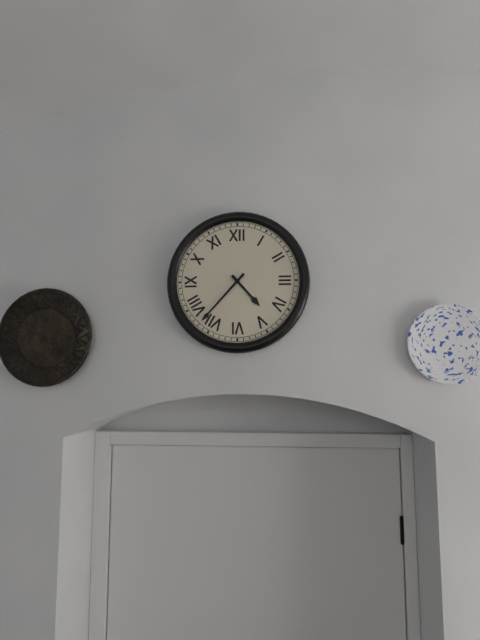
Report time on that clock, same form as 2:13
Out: 4:37
